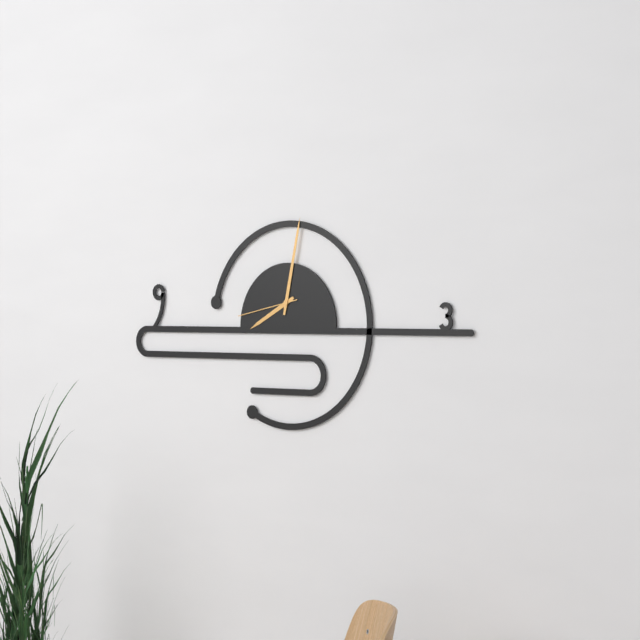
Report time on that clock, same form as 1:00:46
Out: 8:02:43
